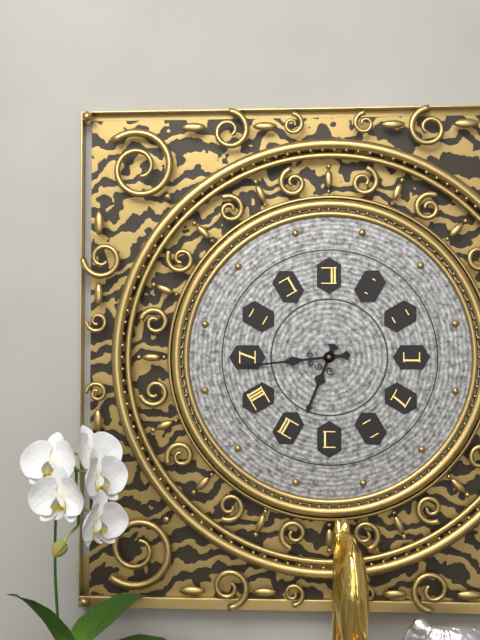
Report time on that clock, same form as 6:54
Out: 6:44
